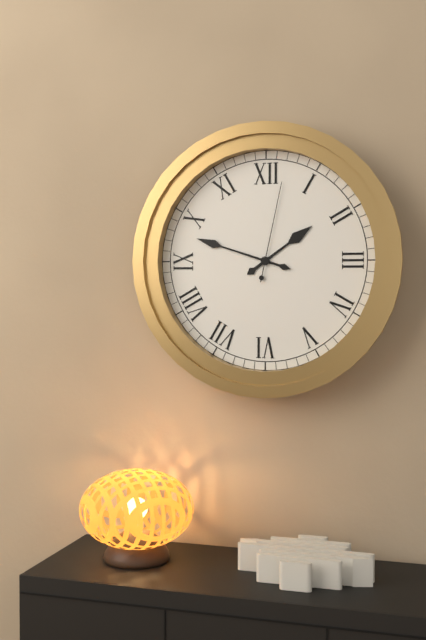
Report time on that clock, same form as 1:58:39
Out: 1:48:02
